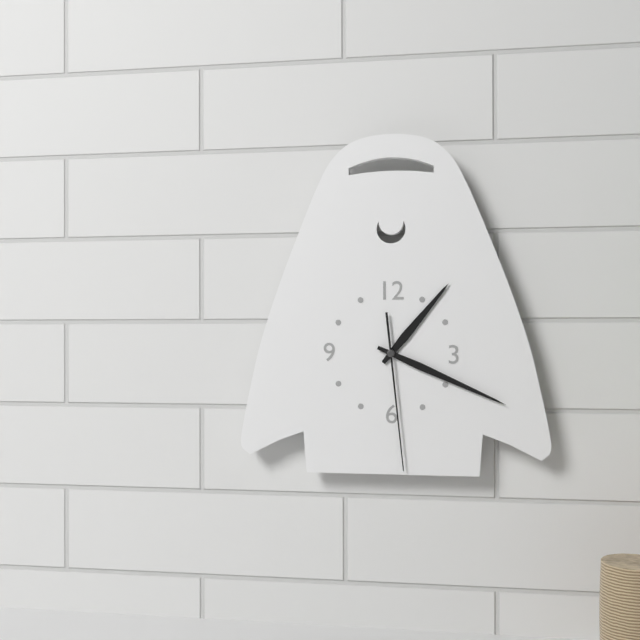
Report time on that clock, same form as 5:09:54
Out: 1:19:29
